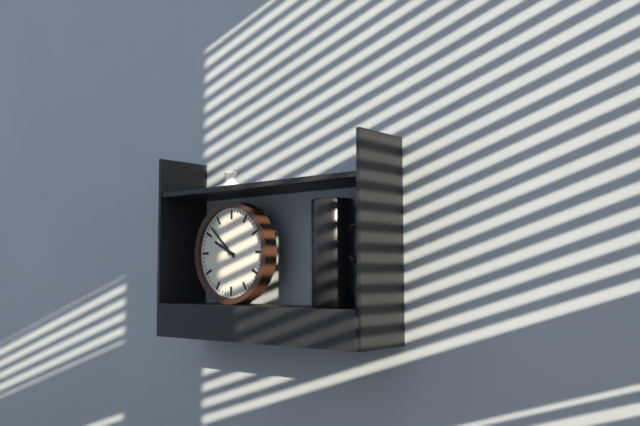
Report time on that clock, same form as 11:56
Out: 9:52
